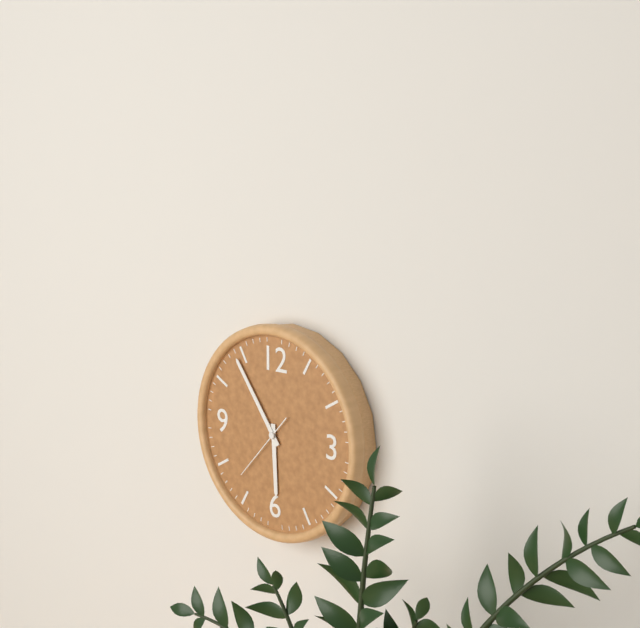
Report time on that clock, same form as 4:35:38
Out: 5:54:37
